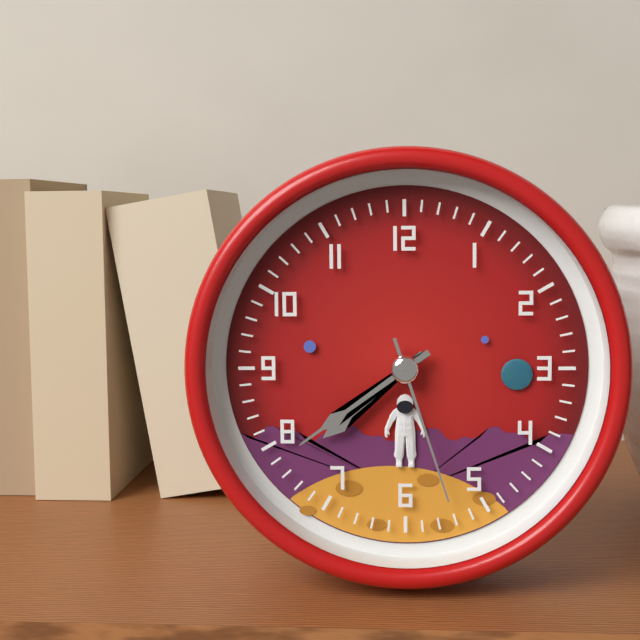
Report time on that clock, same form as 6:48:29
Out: 7:39:27
